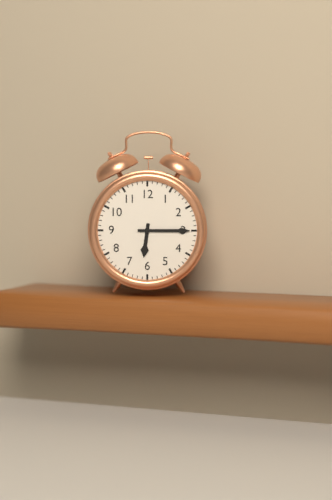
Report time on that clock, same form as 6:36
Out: 6:15
